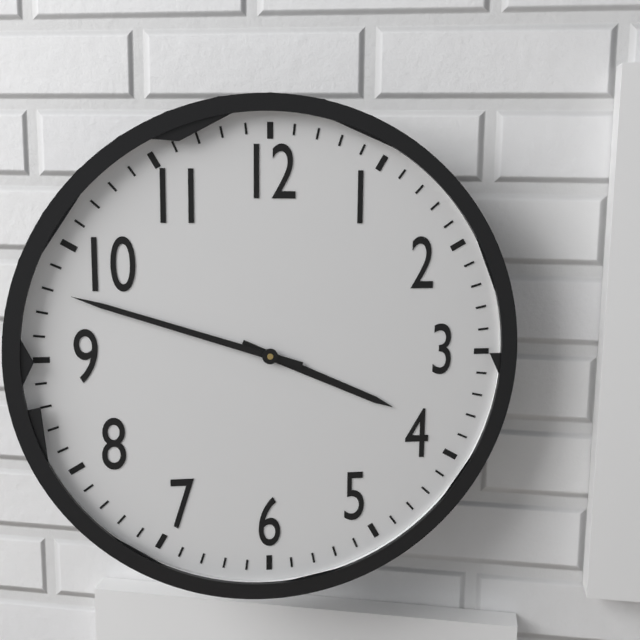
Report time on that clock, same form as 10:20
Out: 3:48
